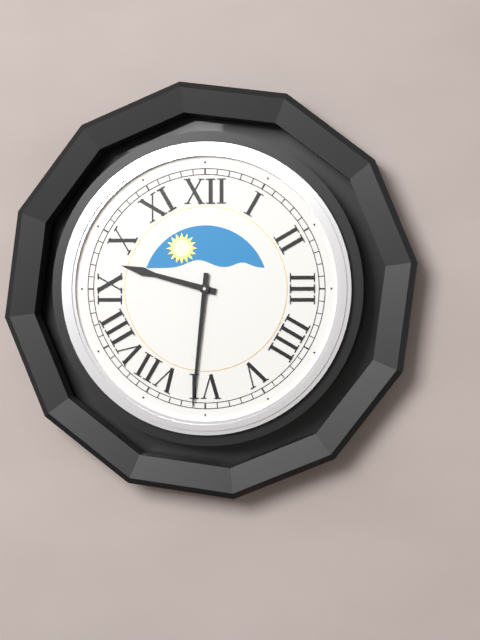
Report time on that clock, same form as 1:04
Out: 9:31
